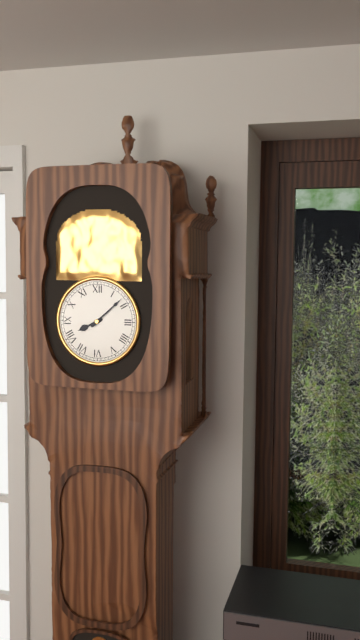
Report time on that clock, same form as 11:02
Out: 8:08
